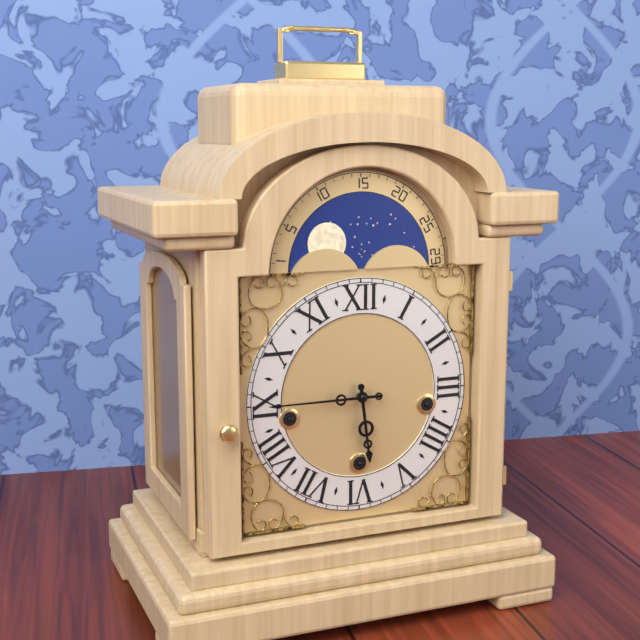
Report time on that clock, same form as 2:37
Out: 5:45
